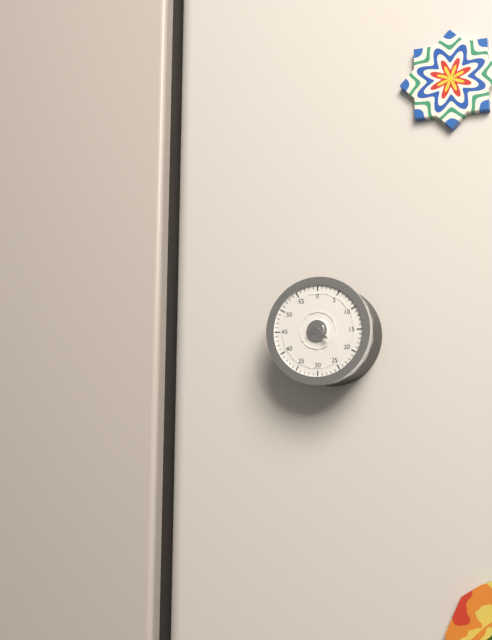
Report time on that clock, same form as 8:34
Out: 8:21
